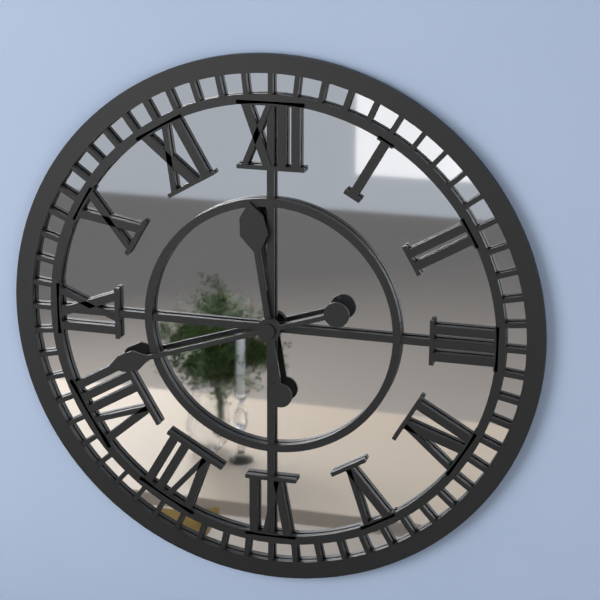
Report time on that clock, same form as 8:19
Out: 11:42
